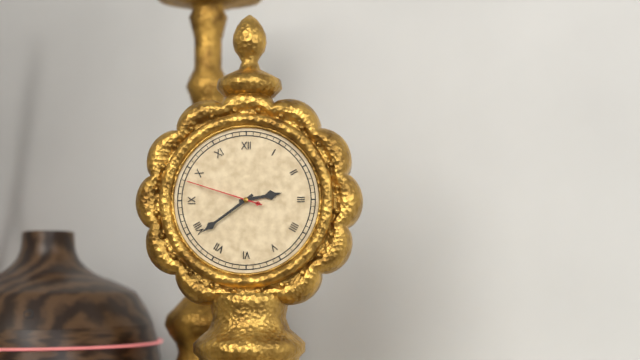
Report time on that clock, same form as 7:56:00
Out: 2:39:48
